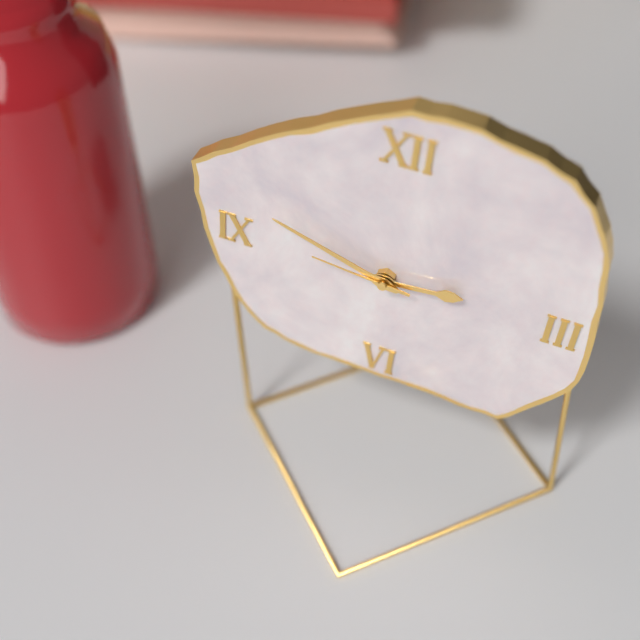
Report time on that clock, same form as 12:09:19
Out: 2:48:46
